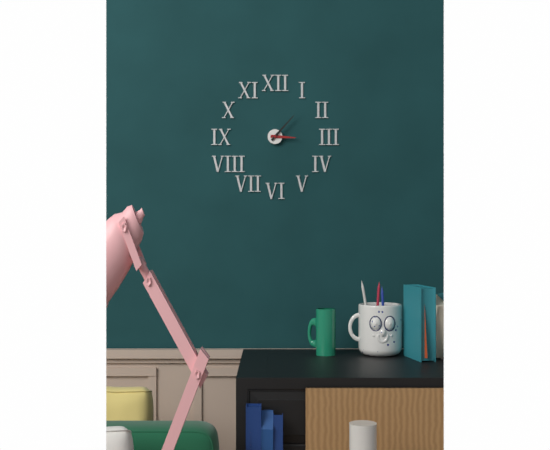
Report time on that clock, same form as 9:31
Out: 3:07
